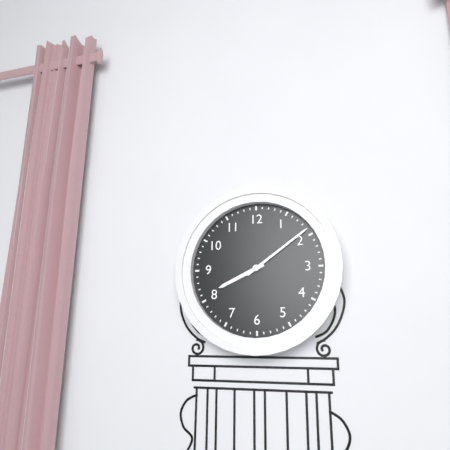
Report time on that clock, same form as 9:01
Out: 8:09
